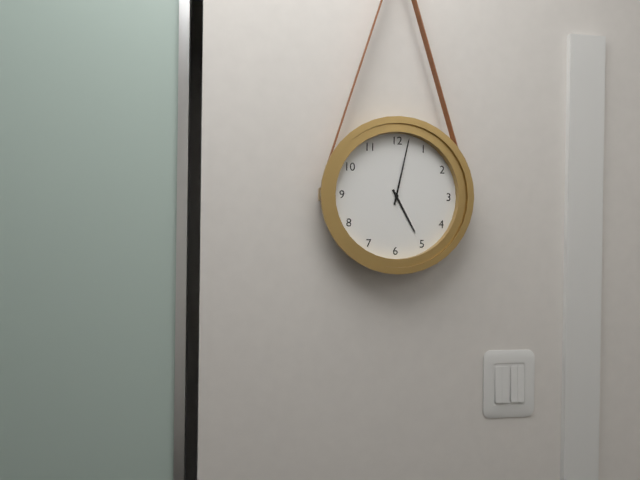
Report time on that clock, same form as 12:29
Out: 5:02
